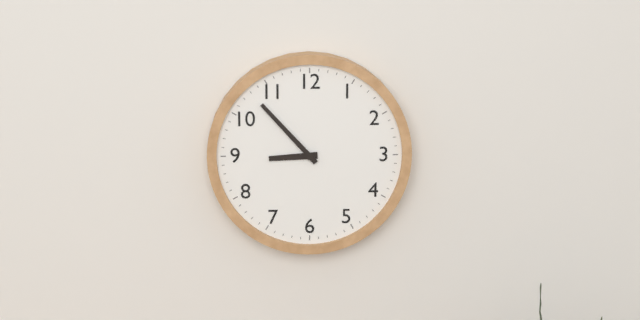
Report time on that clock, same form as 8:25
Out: 8:53
